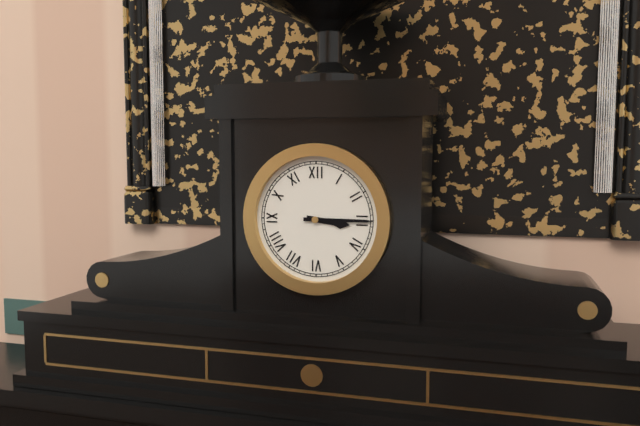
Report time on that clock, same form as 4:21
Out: 3:15
